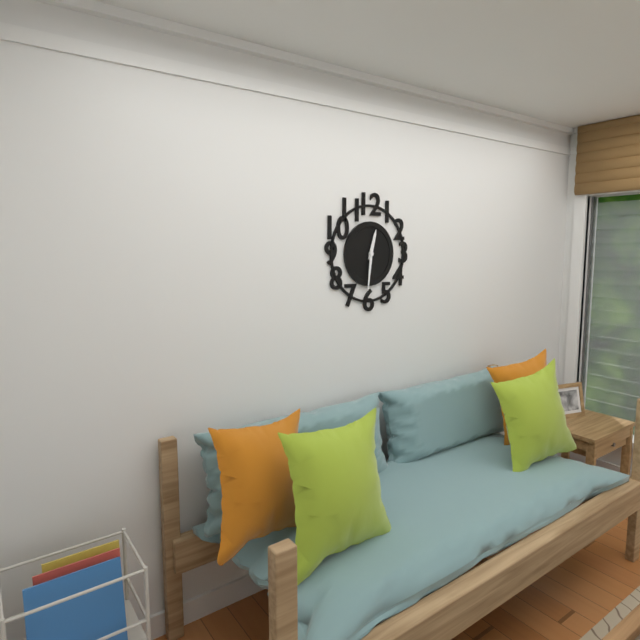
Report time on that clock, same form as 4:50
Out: 12:31
